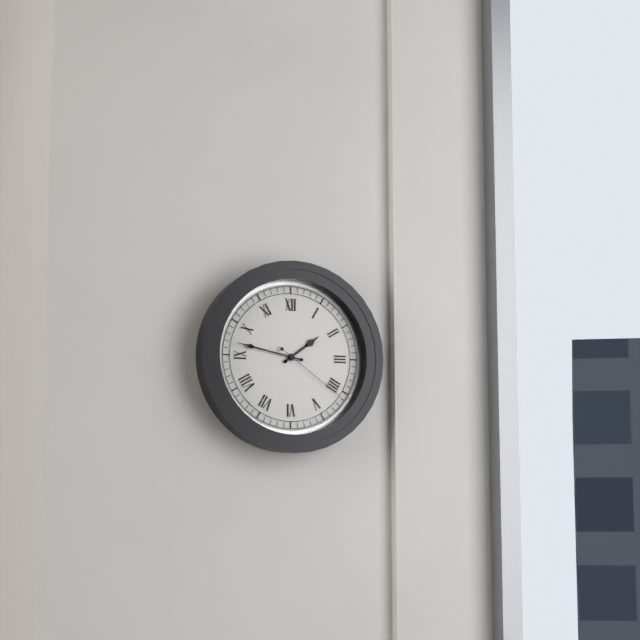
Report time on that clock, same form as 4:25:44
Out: 1:47:21
